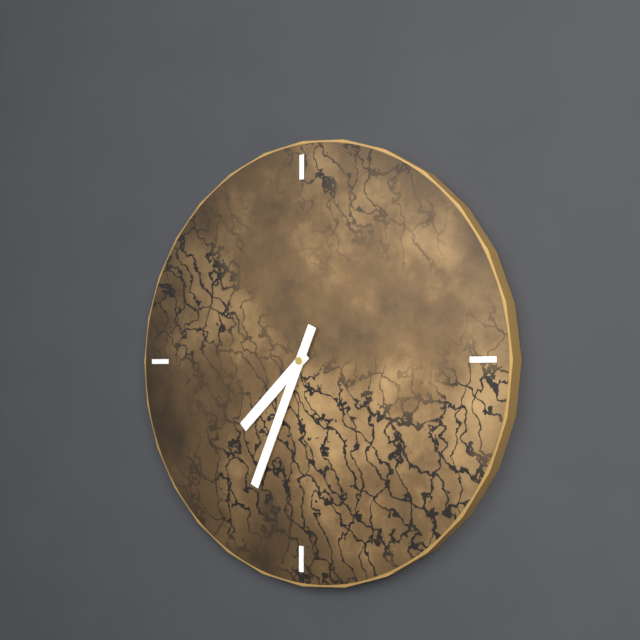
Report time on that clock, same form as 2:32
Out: 7:34
